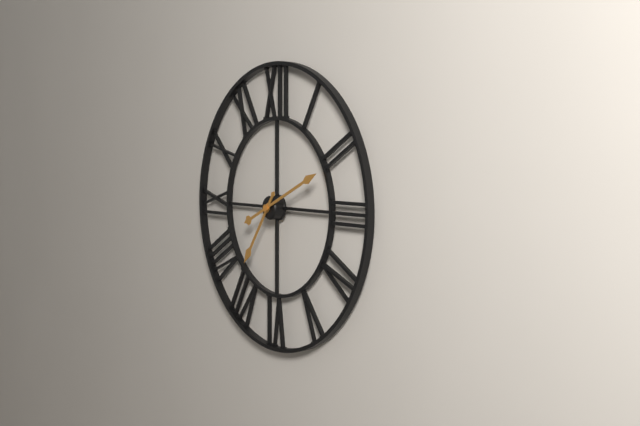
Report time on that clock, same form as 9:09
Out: 7:11
